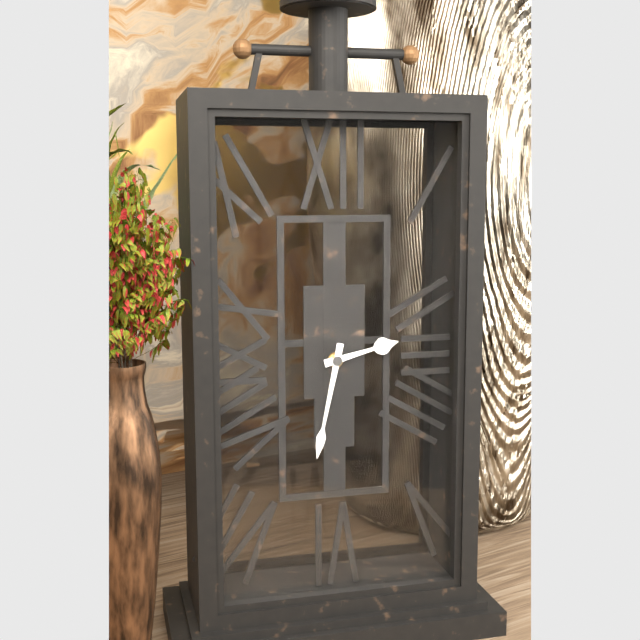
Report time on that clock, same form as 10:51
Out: 2:32
